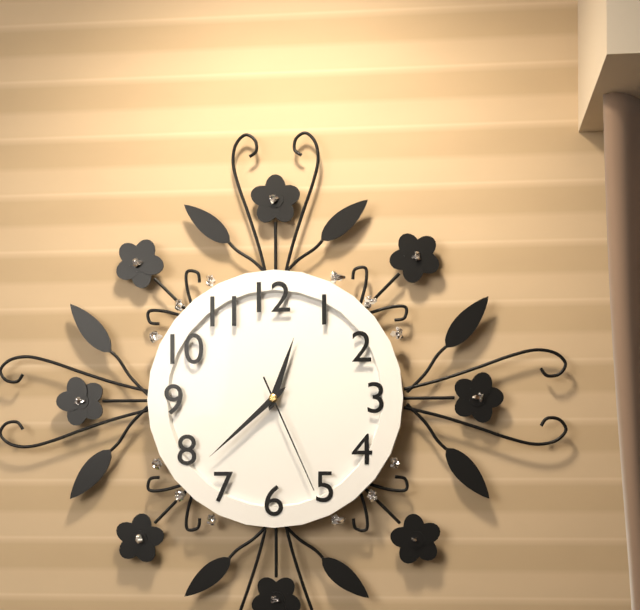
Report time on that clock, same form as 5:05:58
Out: 12:38:26
